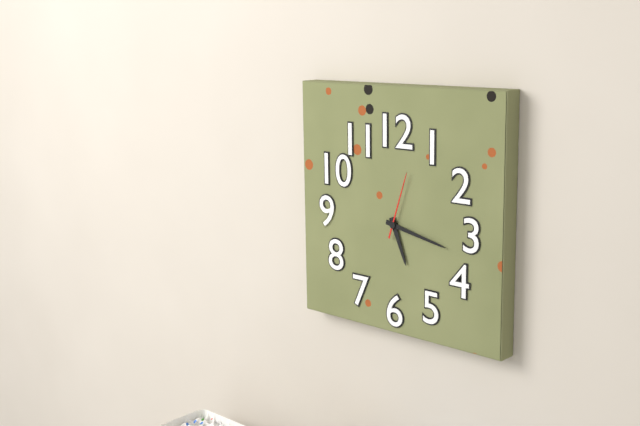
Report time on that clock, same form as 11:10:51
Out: 5:17:03
